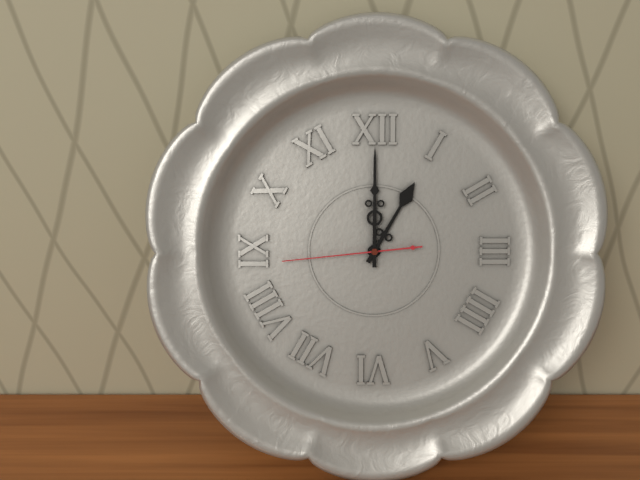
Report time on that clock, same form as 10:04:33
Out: 1:00:44
